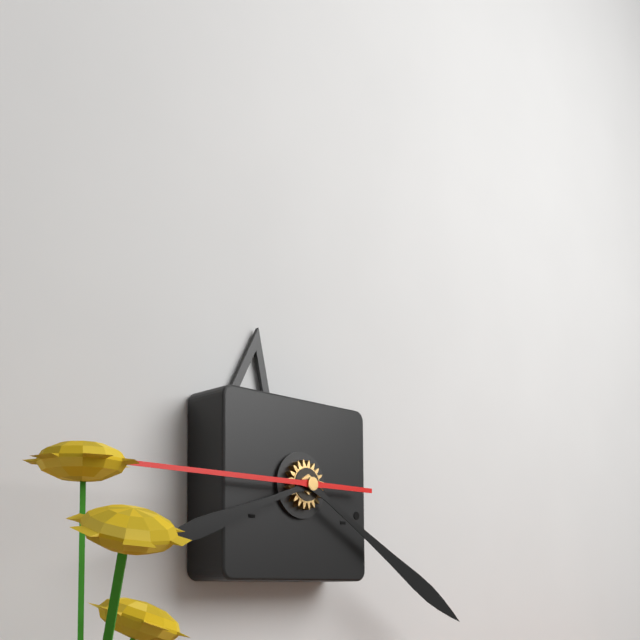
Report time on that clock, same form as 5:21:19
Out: 8:20:45
